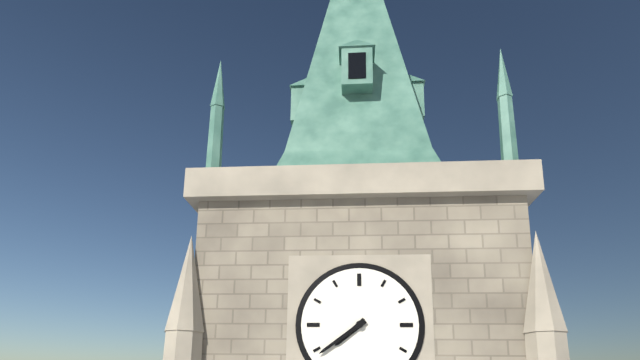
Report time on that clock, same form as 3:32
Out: 7:39
